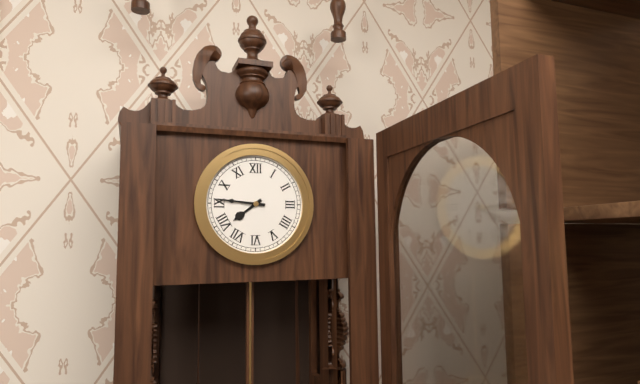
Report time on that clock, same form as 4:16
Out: 7:46
